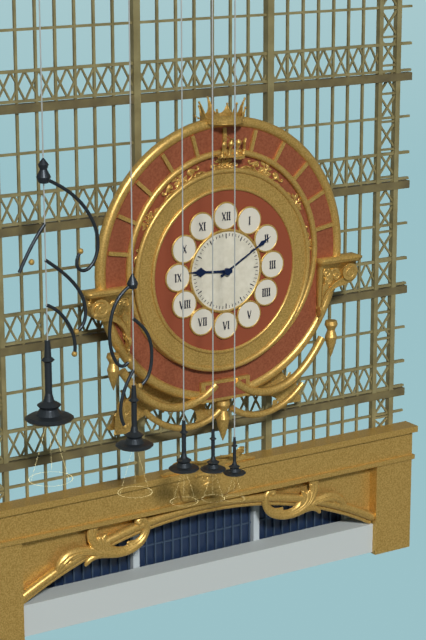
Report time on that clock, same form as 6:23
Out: 9:10
